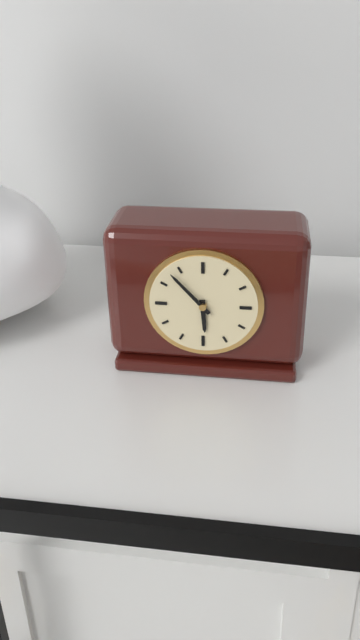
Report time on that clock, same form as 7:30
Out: 5:53
